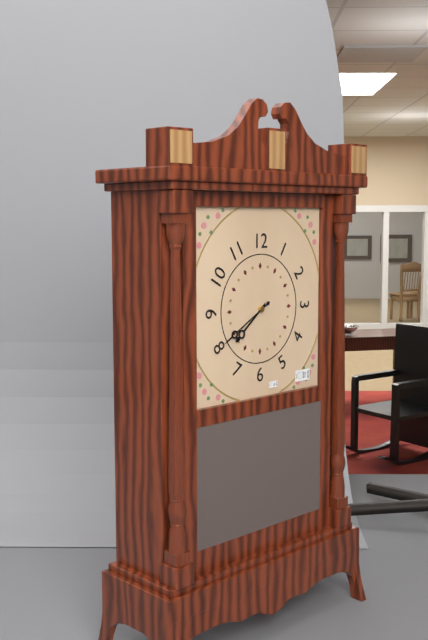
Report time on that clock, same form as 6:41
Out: 7:40
